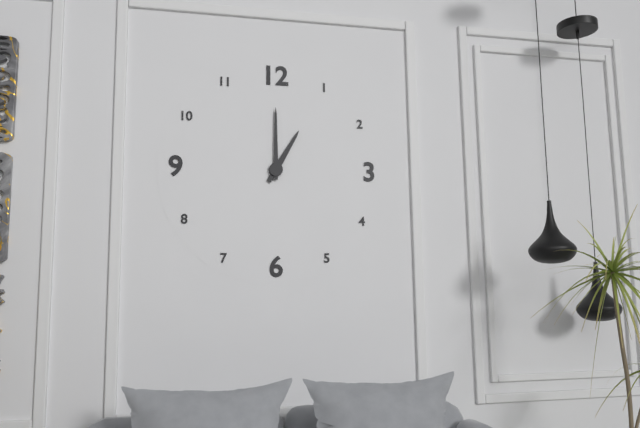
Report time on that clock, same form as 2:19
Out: 1:00
